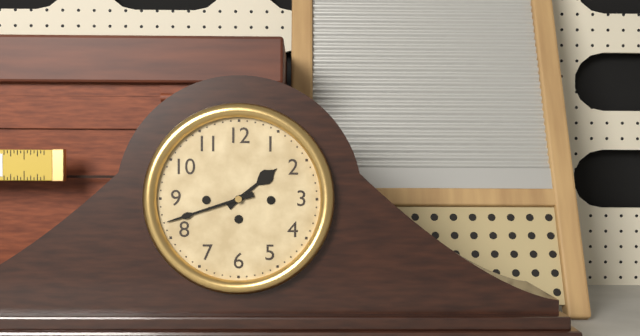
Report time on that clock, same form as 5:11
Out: 1:42
